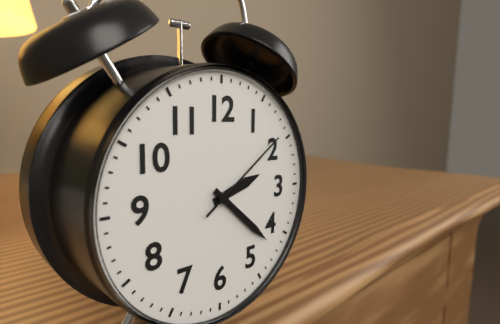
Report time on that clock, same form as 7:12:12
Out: 2:22:09
